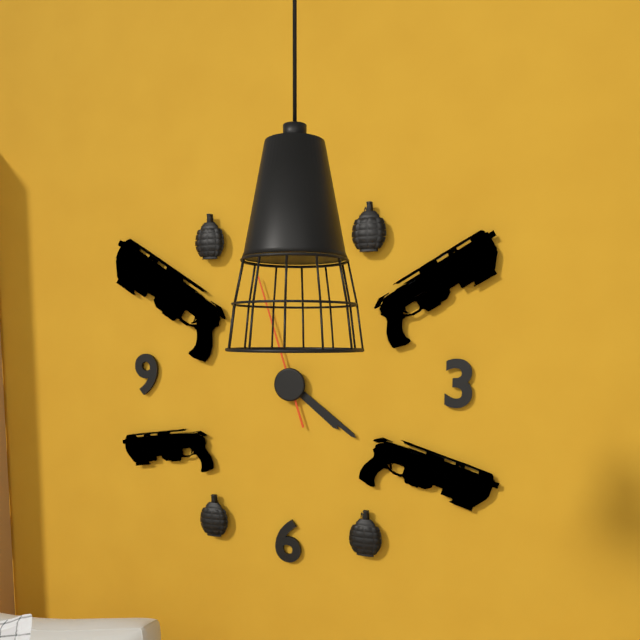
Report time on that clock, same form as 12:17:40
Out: 4:21:57
